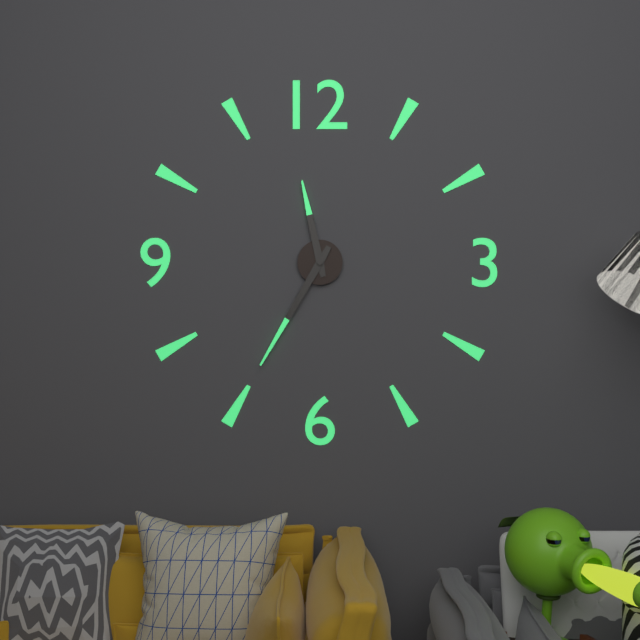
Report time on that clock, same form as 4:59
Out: 11:35
